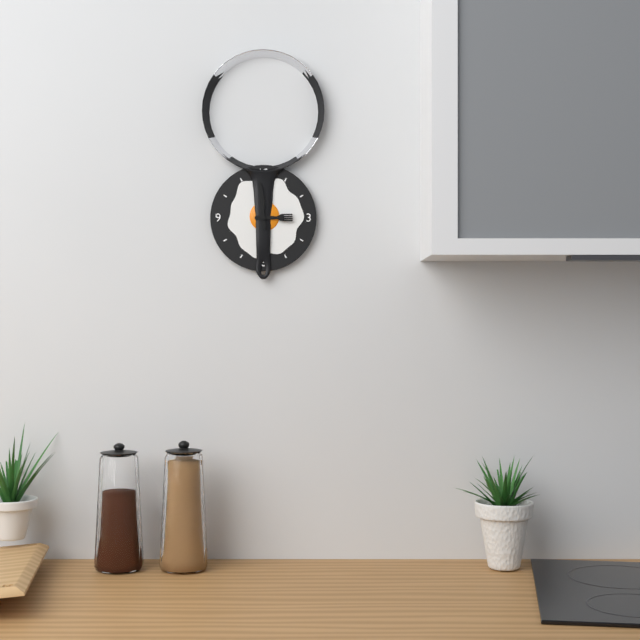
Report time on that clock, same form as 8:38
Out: 2:59
